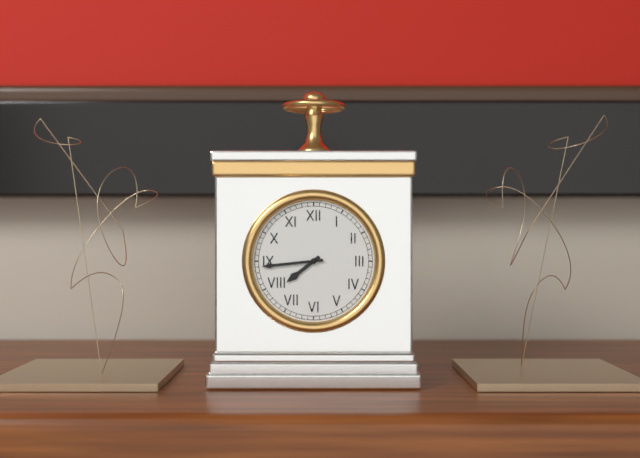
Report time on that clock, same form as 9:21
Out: 7:44
